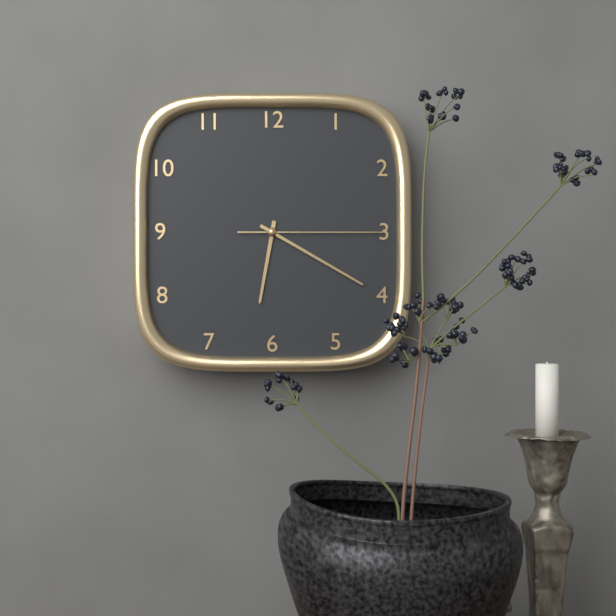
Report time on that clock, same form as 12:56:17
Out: 6:20:15
